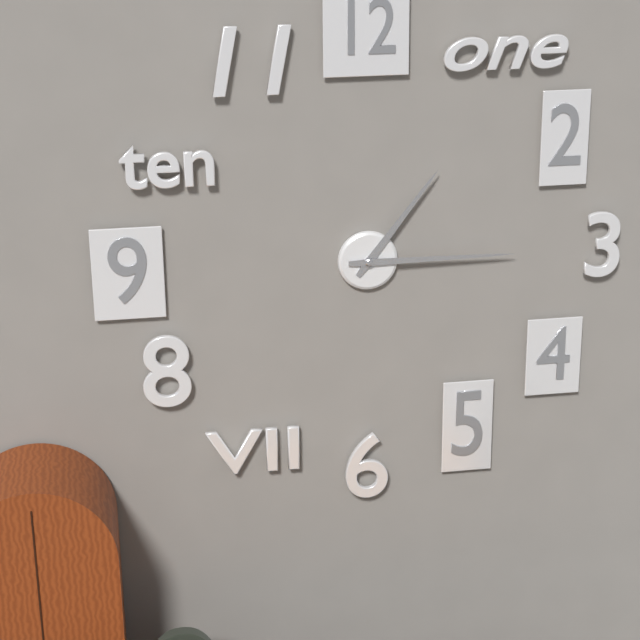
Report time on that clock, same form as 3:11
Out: 1:15
